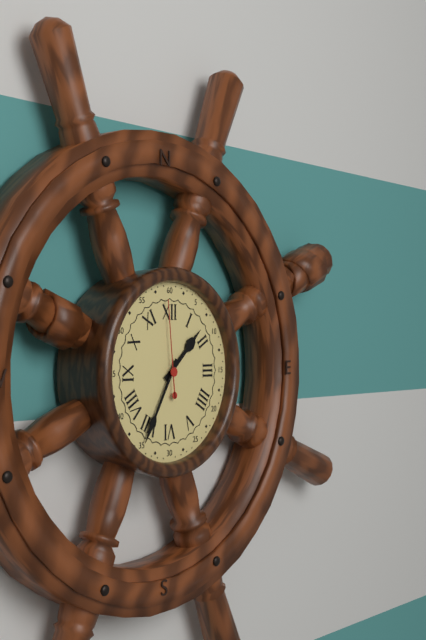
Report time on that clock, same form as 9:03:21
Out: 1:35:59
